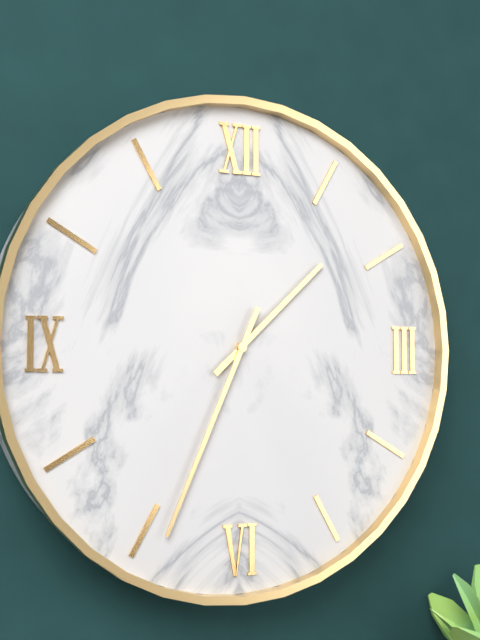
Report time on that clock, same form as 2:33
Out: 1:34
